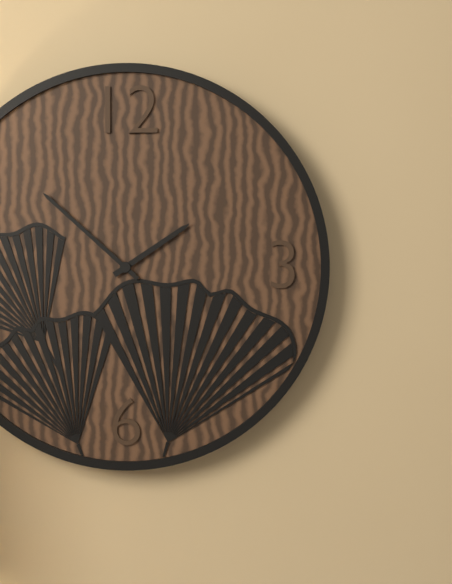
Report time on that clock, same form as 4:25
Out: 1:52
